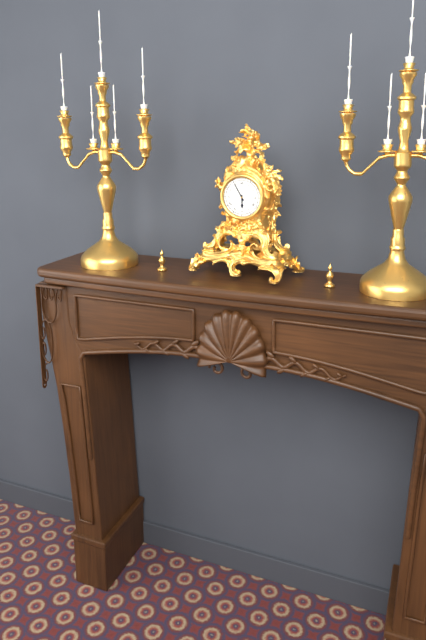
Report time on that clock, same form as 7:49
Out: 5:55
